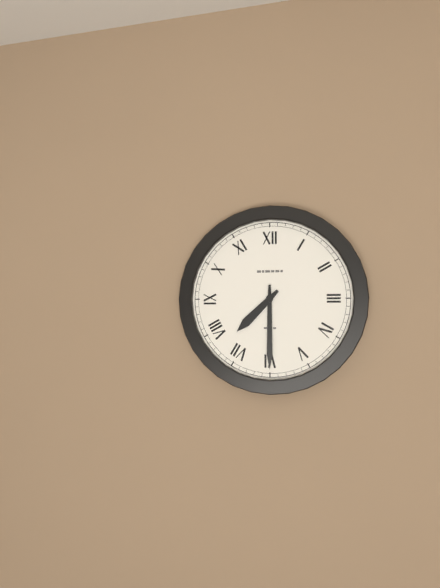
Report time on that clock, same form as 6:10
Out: 7:30
